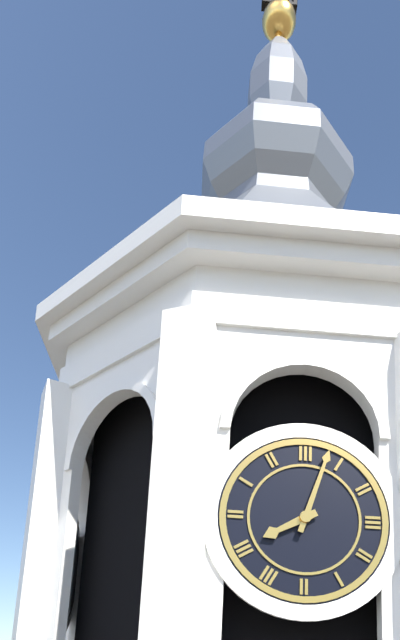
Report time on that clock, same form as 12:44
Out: 8:03
